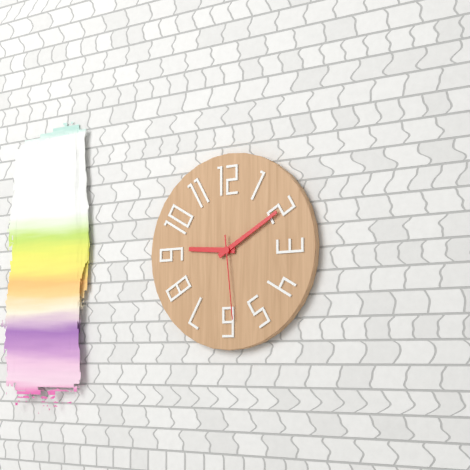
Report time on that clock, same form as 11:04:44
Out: 9:10:29
